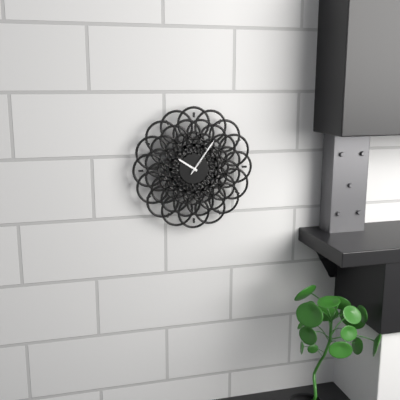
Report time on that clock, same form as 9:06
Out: 10:06
